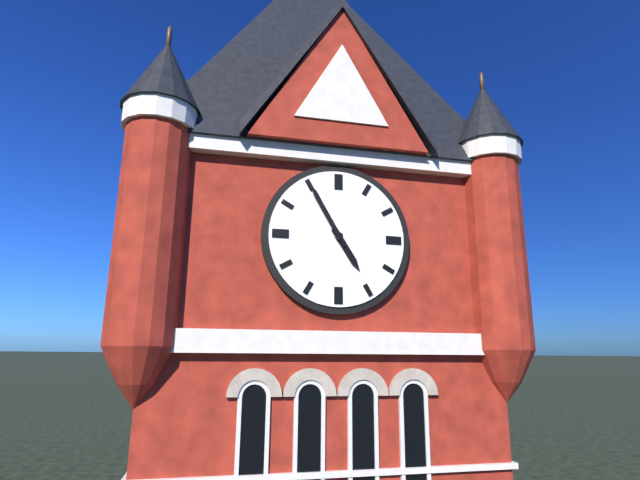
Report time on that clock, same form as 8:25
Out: 4:55
